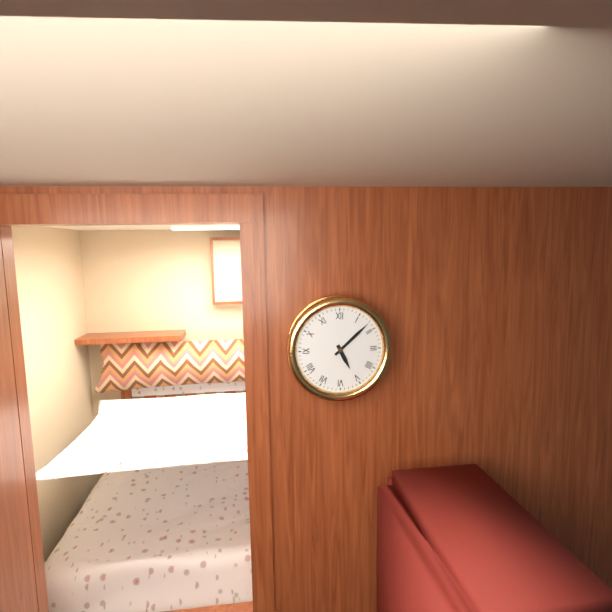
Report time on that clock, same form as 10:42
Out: 5:08
